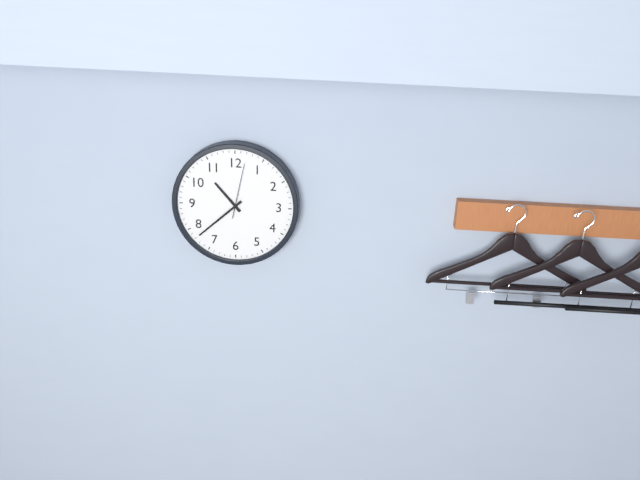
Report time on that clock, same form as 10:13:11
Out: 10:38:02
